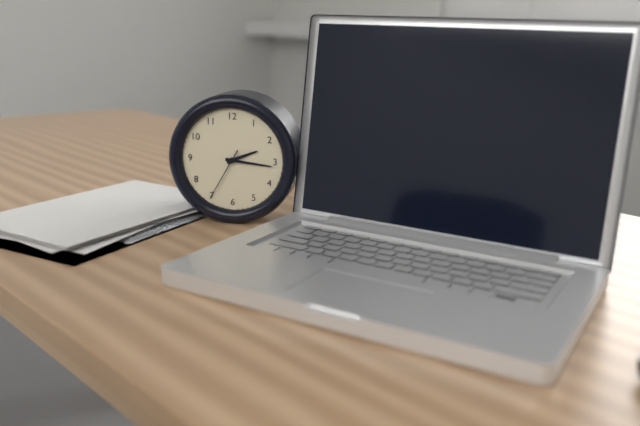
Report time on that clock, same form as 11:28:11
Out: 2:16:35
